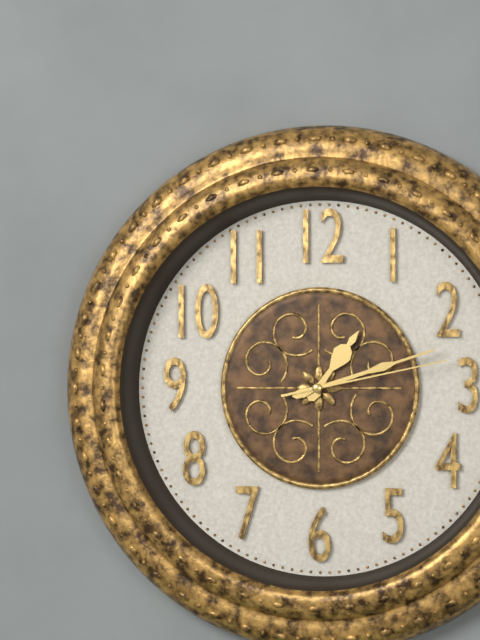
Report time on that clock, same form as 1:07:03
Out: 1:12:13
